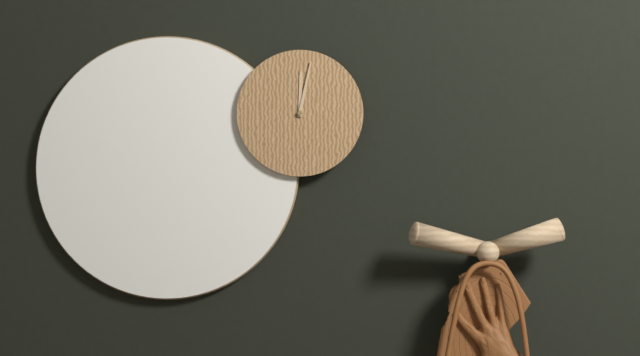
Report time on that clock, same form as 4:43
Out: 12:02
